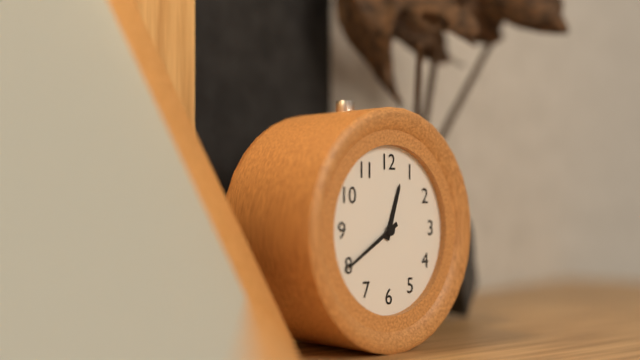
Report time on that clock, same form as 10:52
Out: 12:40
